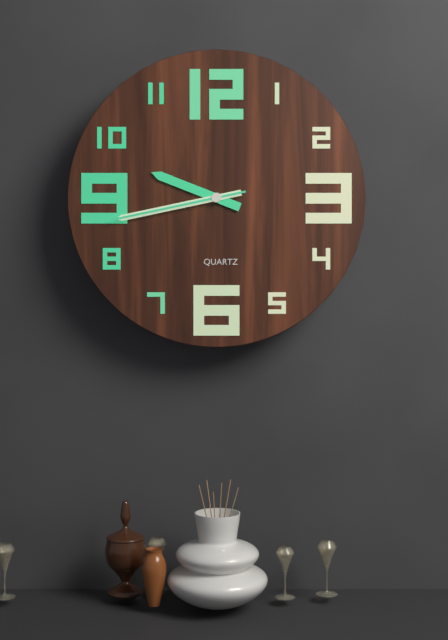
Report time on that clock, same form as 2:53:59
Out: 9:43:43
